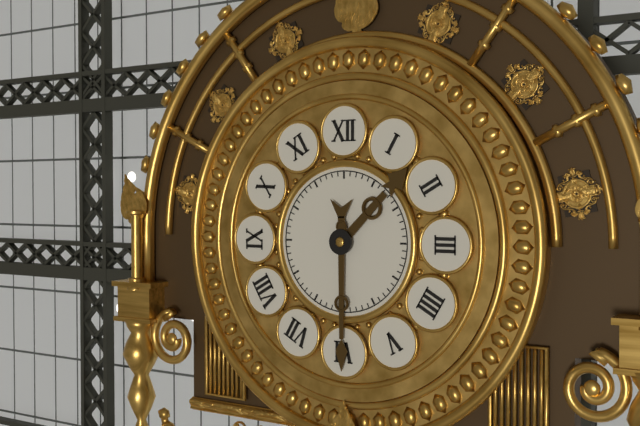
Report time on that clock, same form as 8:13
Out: 1:30
